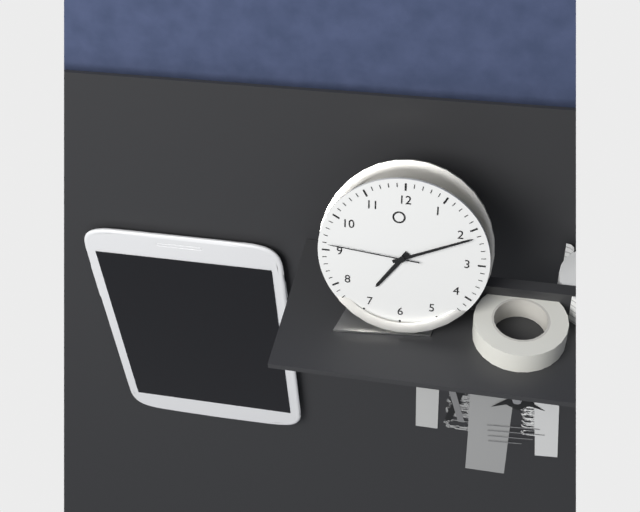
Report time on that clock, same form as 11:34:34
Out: 7:11:46
